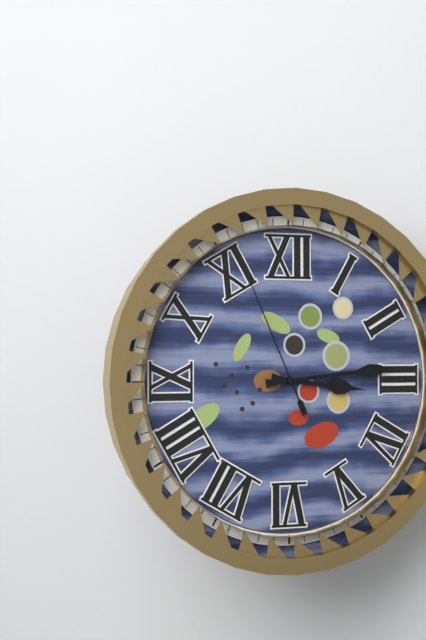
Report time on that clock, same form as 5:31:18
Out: 3:14:56
